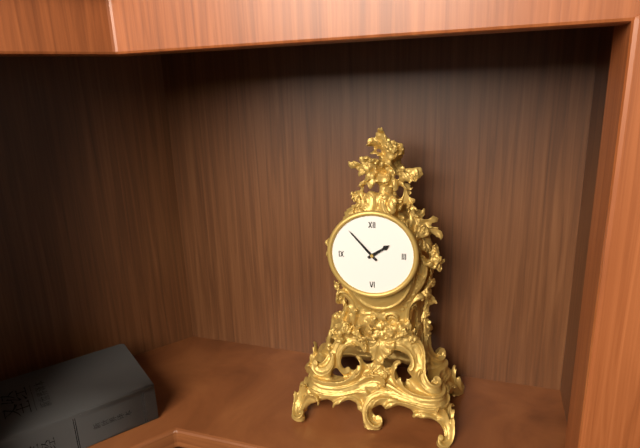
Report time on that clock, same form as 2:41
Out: 1:53
